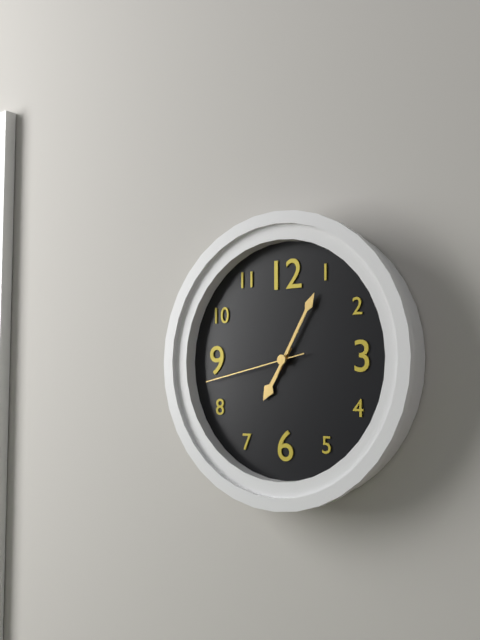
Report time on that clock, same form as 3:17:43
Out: 7:05:43
